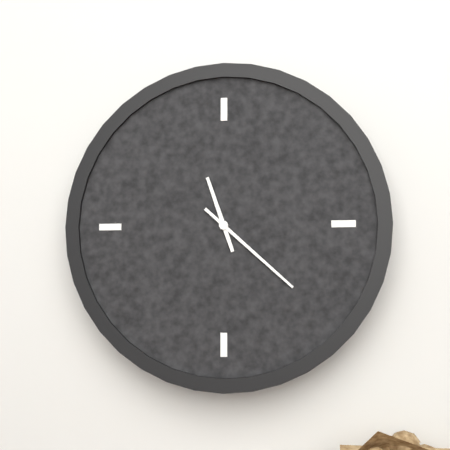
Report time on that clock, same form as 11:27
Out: 11:22
